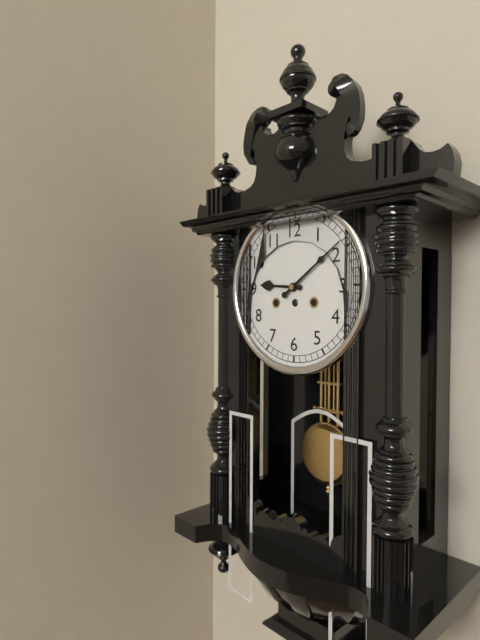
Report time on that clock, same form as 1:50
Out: 9:09
